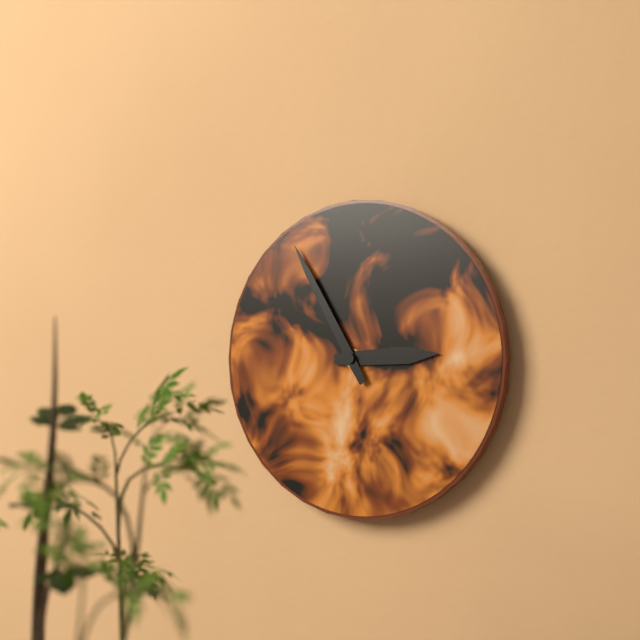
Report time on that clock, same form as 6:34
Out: 2:55
